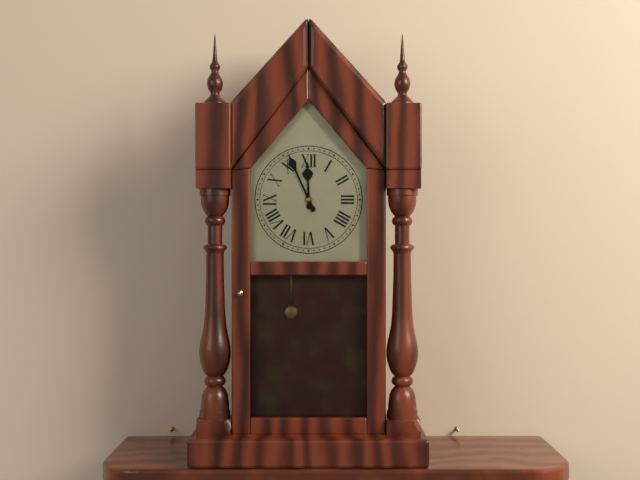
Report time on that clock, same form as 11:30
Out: 11:56
